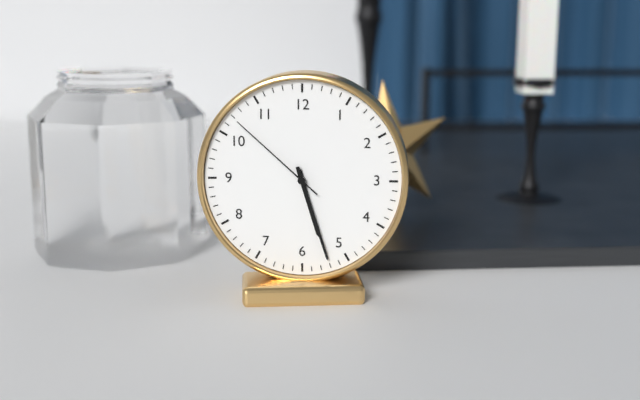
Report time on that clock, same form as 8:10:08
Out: 5:27:52
